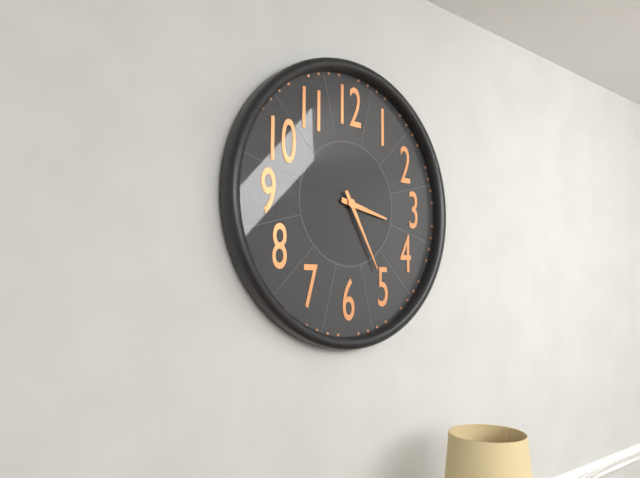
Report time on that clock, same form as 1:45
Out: 3:25
